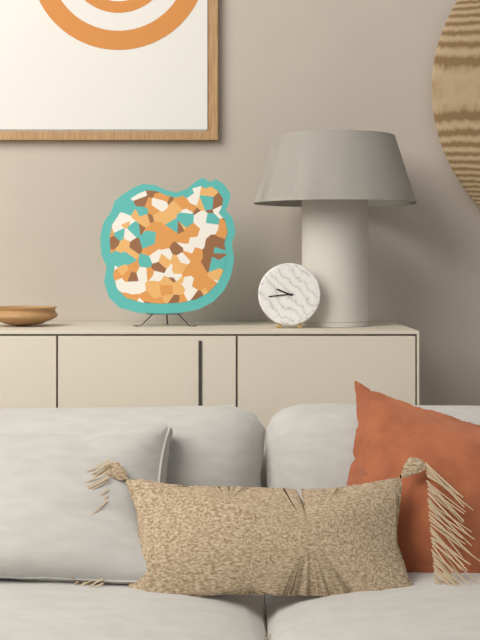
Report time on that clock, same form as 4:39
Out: 9:44
